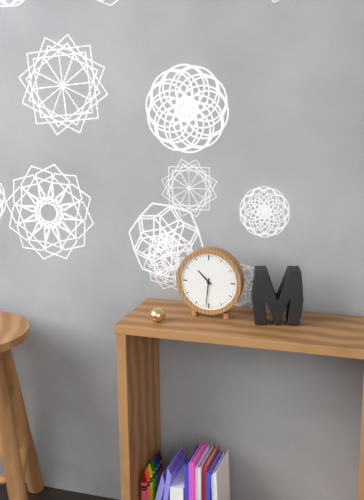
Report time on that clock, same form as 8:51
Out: 10:31
